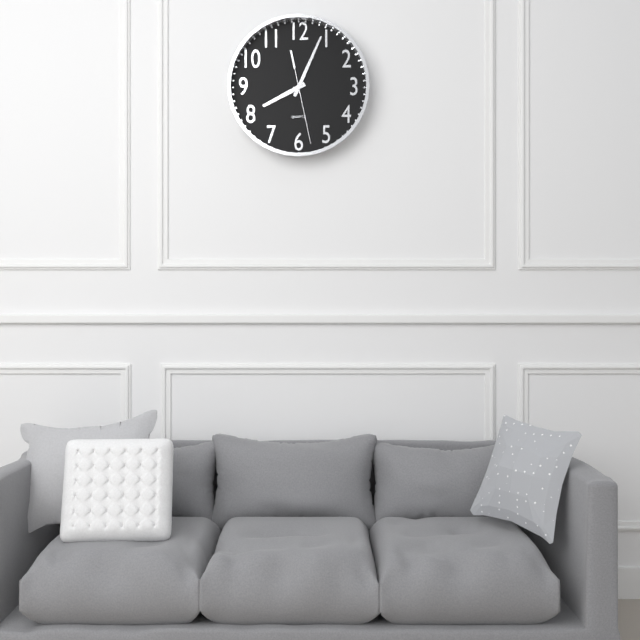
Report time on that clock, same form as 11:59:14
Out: 8:04:28
